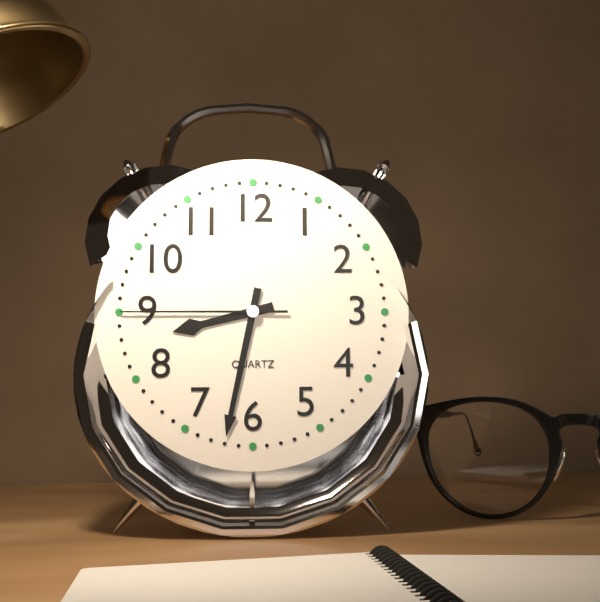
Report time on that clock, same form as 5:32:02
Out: 8:32:45
